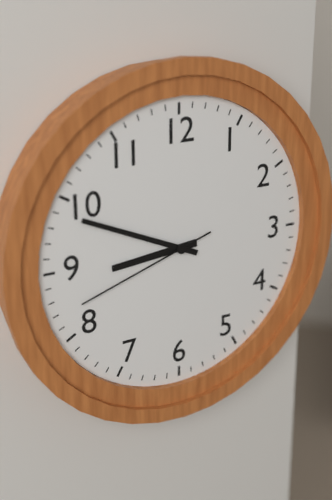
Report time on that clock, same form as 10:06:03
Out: 8:49:42
